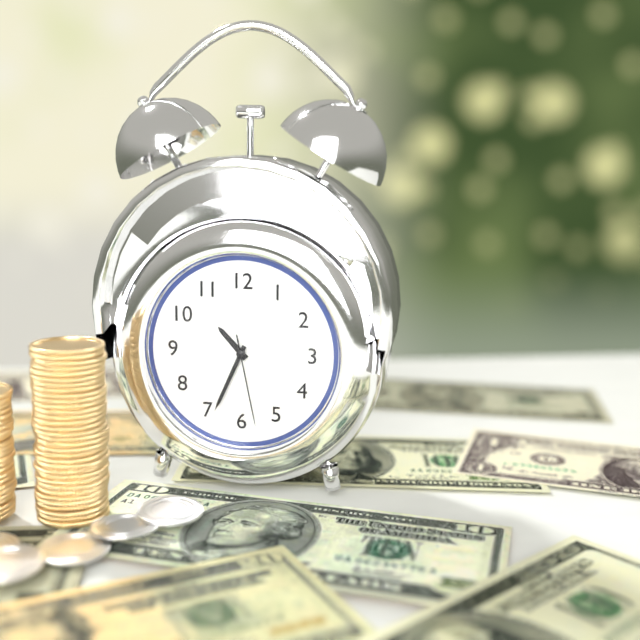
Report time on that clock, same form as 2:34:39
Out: 10:34:28
